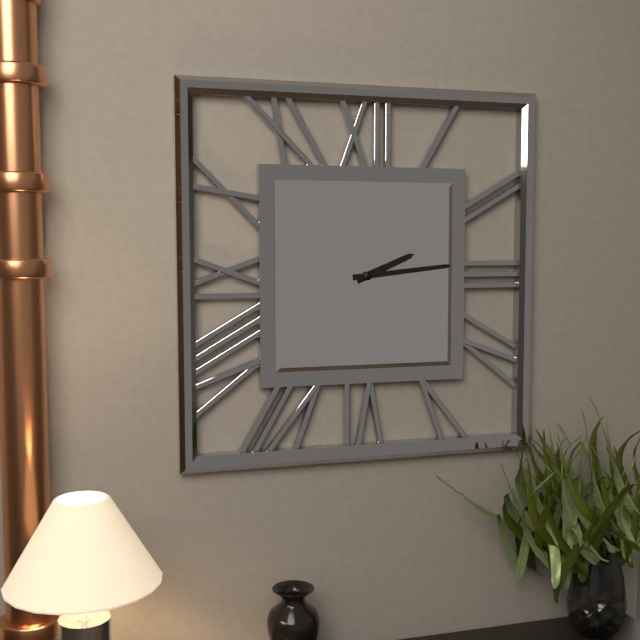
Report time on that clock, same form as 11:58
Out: 2:14
